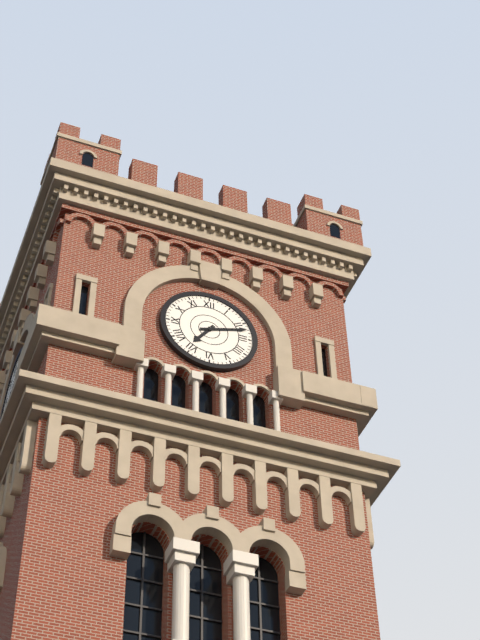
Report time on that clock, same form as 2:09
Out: 7:12
